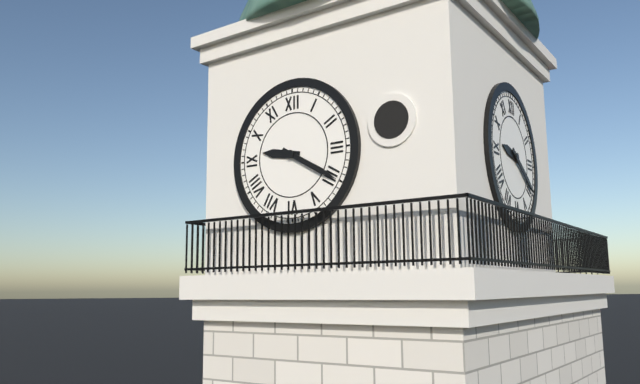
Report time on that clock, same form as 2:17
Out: 9:20
